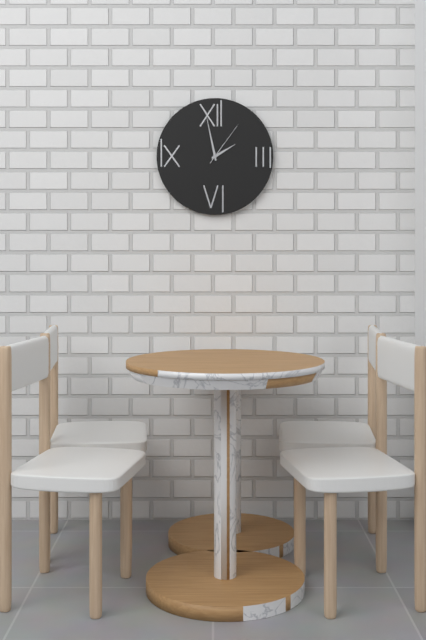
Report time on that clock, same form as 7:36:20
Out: 1:58:06
